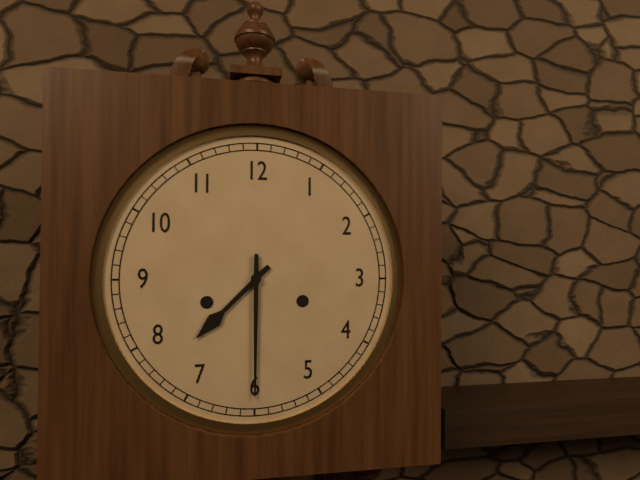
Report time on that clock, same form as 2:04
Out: 7:30
